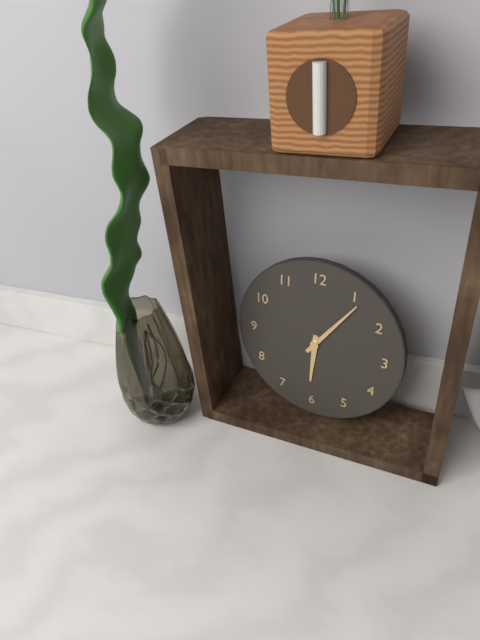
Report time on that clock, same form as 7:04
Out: 6:06
